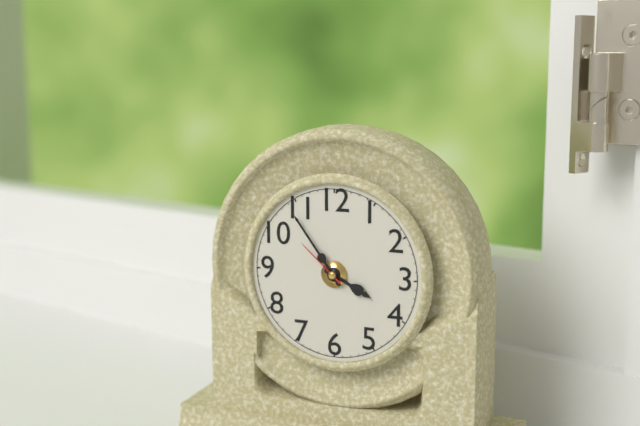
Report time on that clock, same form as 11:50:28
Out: 3:54:52
